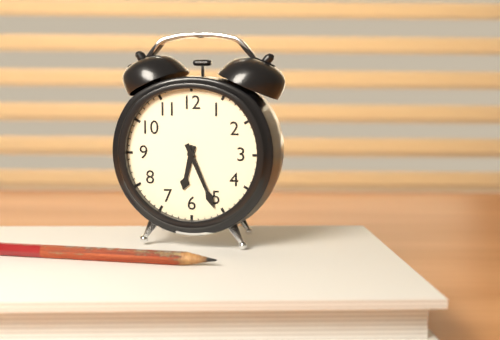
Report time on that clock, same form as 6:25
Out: 6:26
